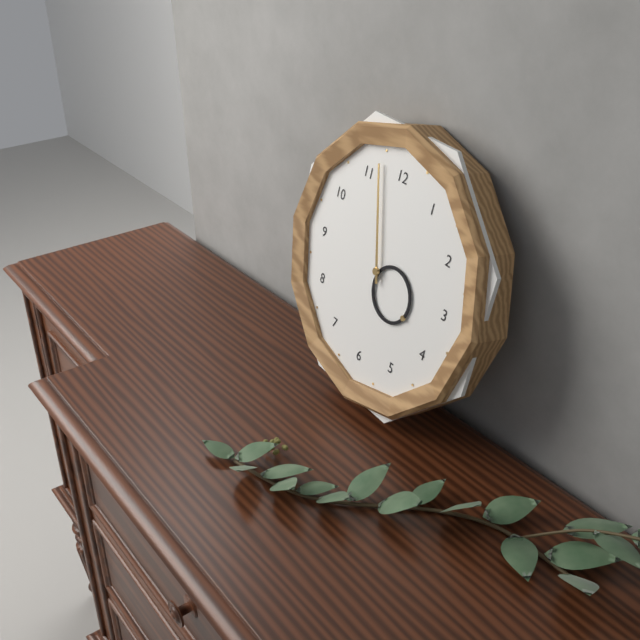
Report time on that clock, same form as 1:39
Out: 3:57
